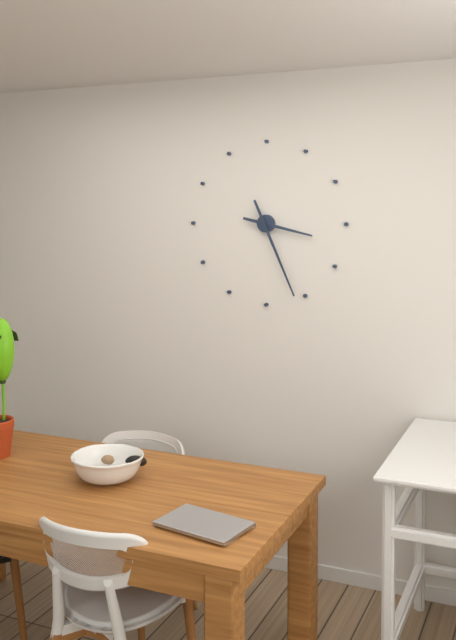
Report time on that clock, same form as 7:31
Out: 3:26
